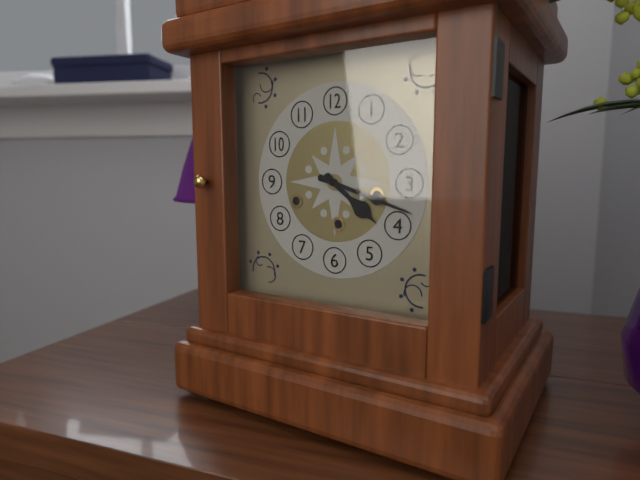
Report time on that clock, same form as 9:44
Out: 4:18
